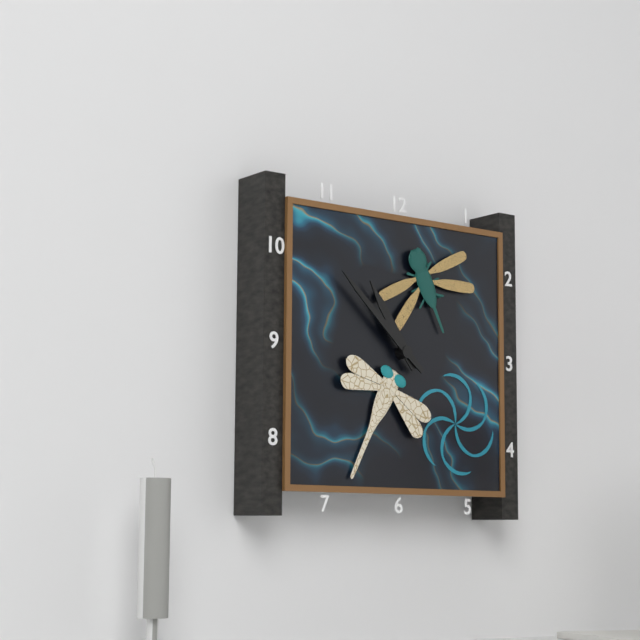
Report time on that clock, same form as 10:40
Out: 10:52
